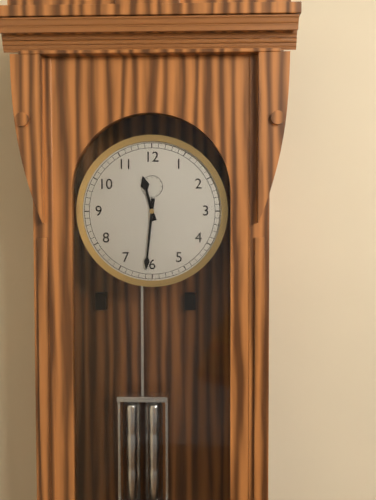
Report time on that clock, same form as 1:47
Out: 11:31
